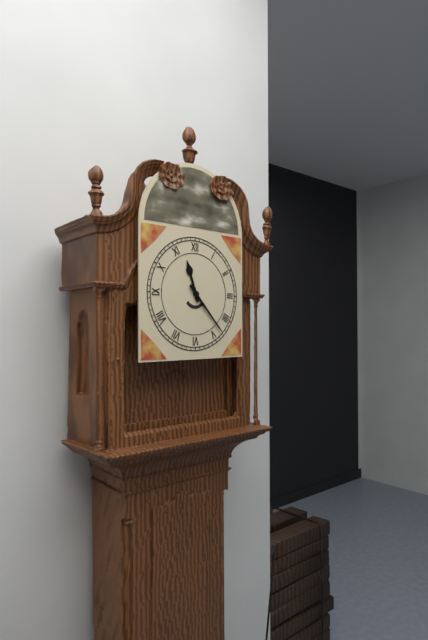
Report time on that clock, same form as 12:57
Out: 11:23
